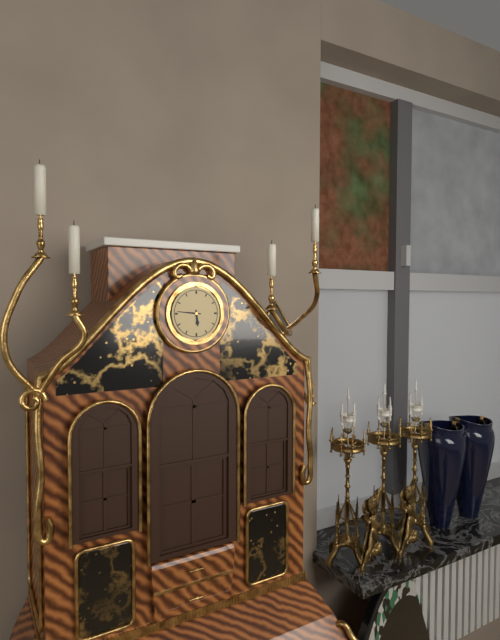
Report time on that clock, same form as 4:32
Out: 5:46
